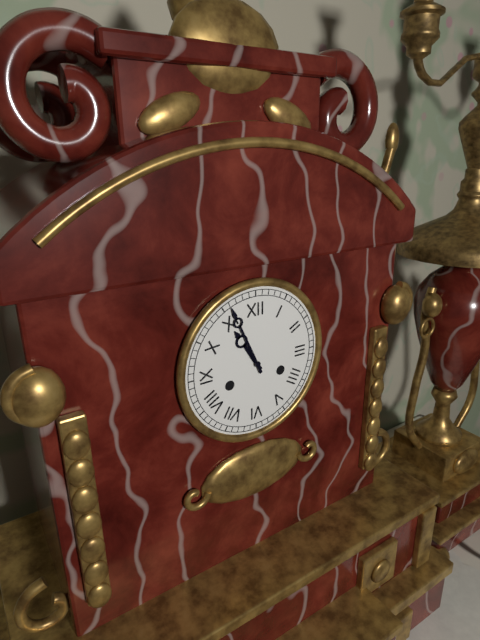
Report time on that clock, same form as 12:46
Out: 10:56
